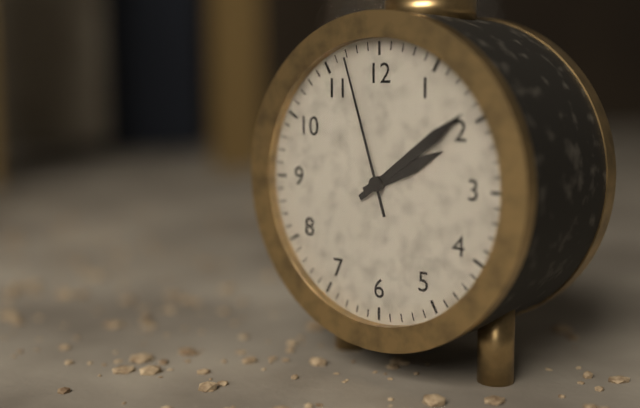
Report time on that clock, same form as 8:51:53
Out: 2:09:57
